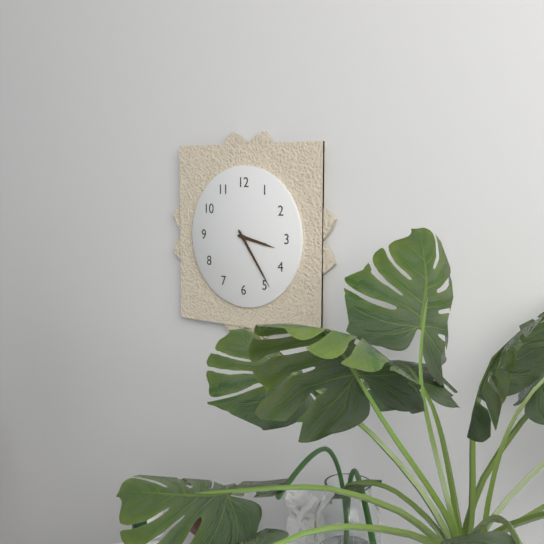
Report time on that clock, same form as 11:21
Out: 3:24
